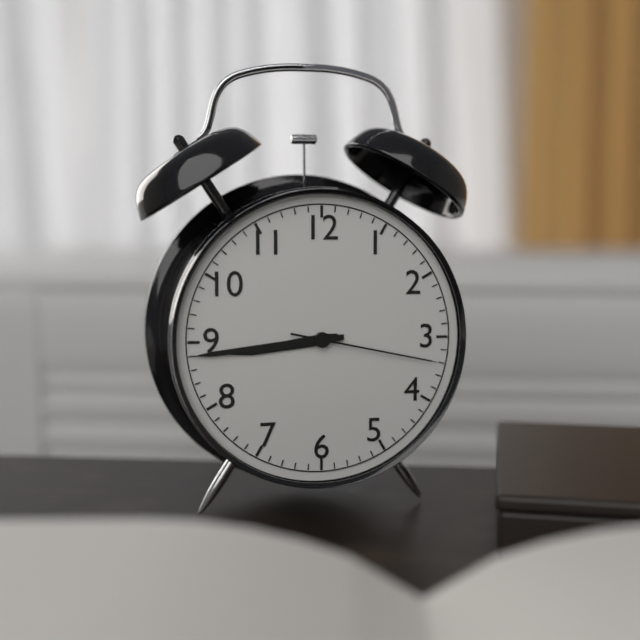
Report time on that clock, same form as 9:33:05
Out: 8:44:17
